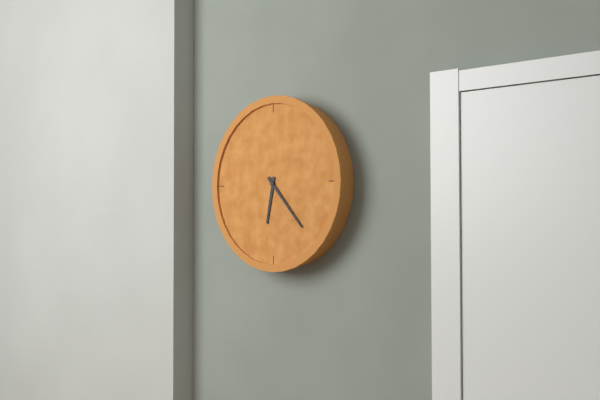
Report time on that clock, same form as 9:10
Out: 6:23
